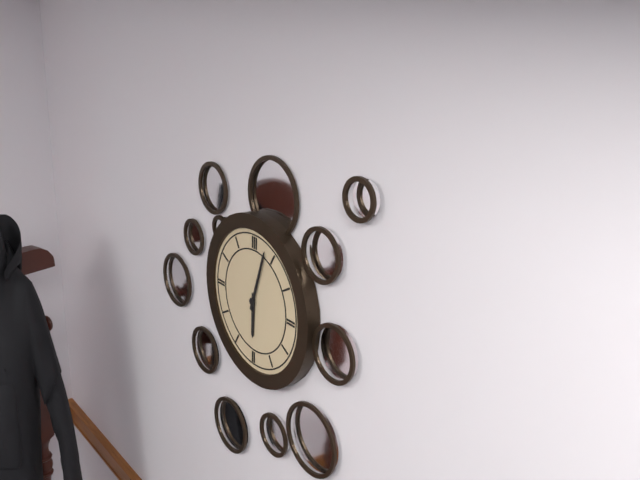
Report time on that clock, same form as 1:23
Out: 6:03
